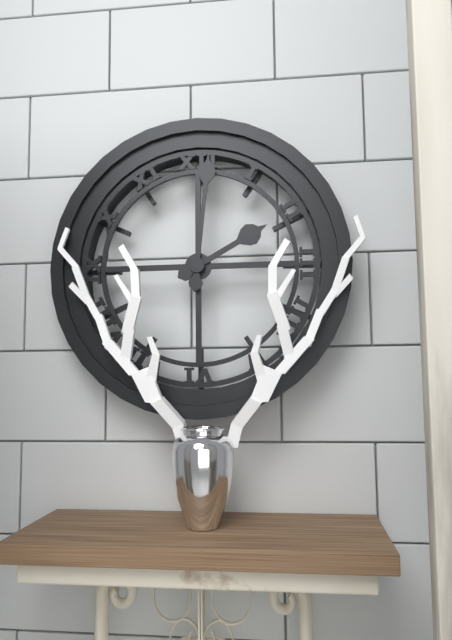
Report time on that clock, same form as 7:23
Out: 2:01
